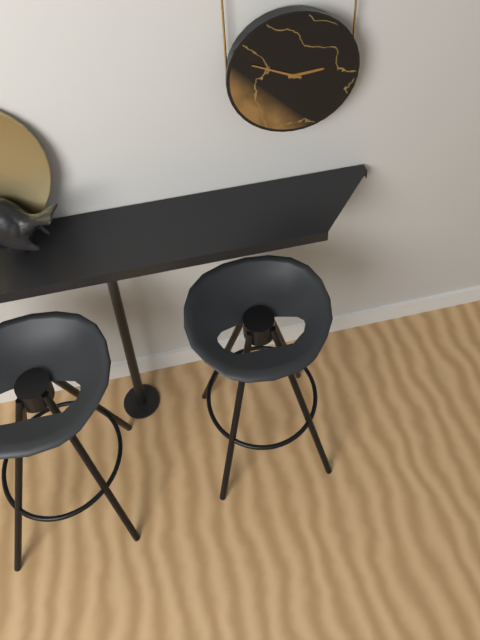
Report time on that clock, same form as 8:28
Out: 2:49
